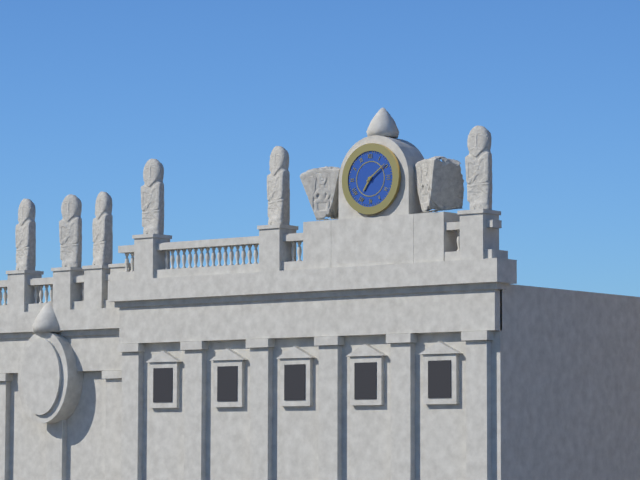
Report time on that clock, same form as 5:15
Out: 7:09
